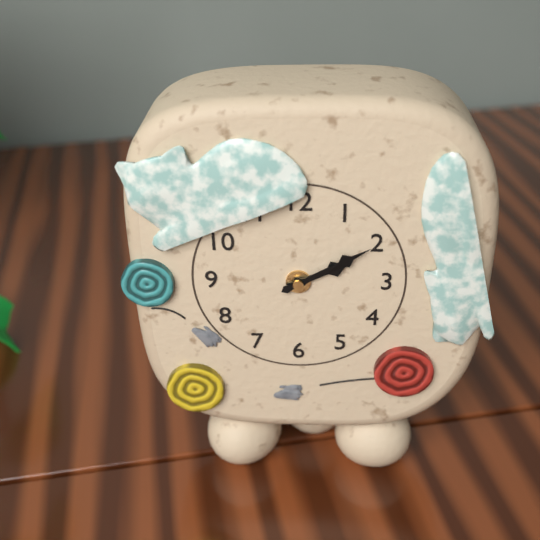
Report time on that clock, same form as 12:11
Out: 2:10
